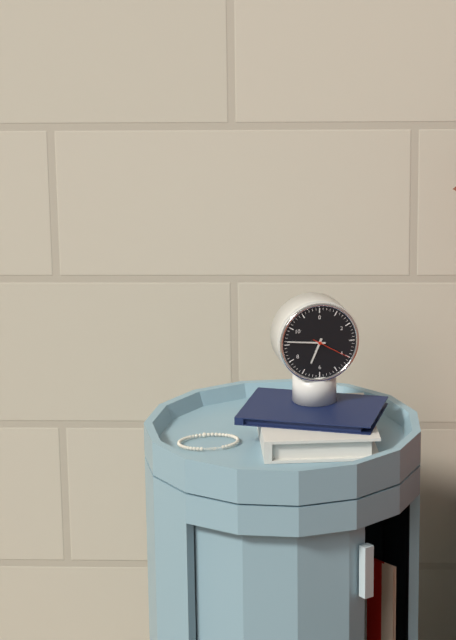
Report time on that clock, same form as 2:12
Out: 6:46
